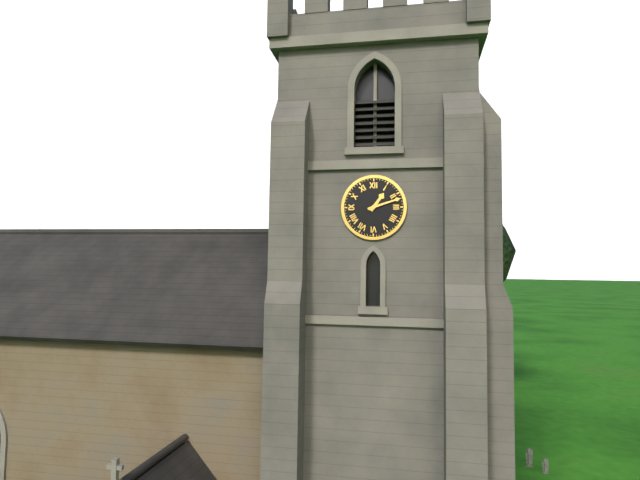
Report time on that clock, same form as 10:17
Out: 1:12
